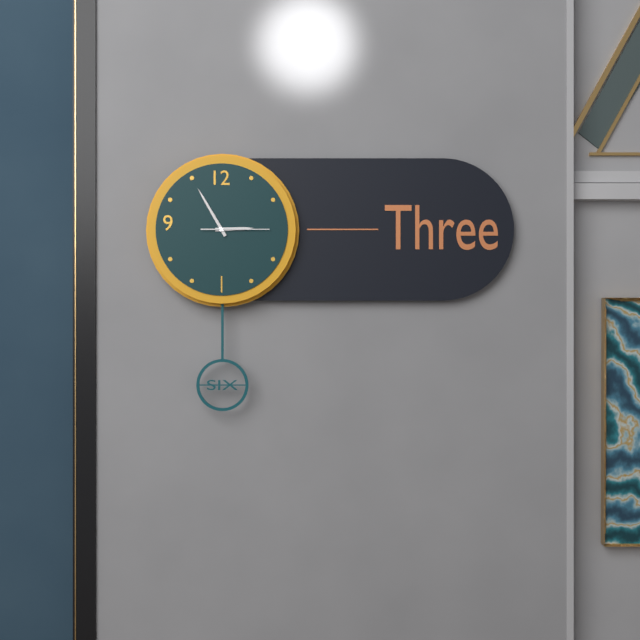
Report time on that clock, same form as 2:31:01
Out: 2:55:15
